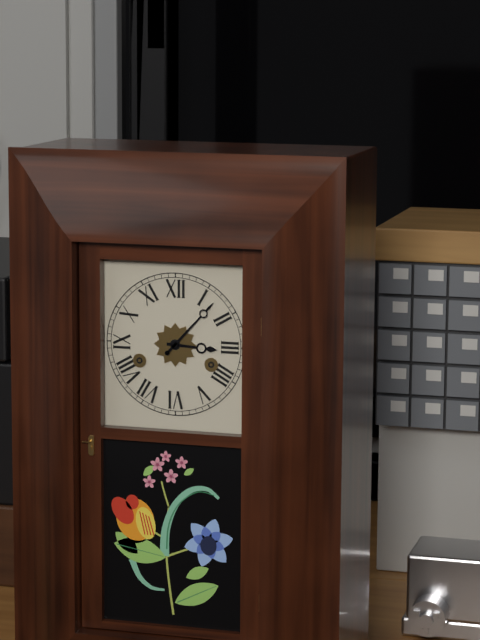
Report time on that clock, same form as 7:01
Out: 3:07
